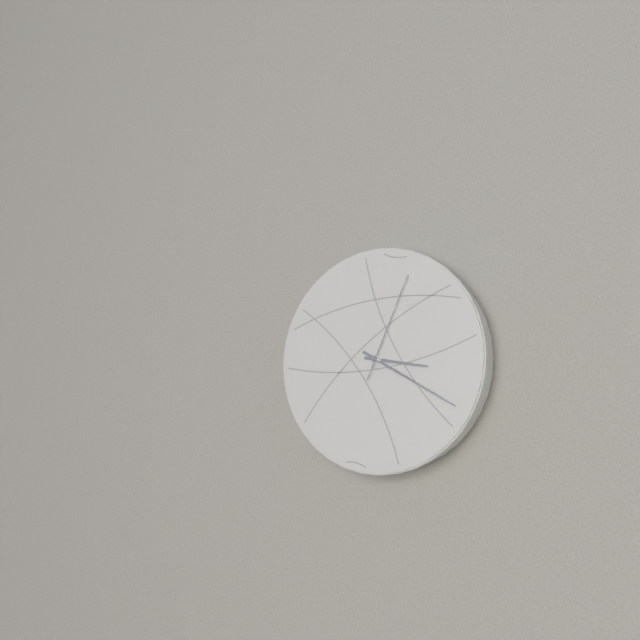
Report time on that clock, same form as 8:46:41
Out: 3:20:04
